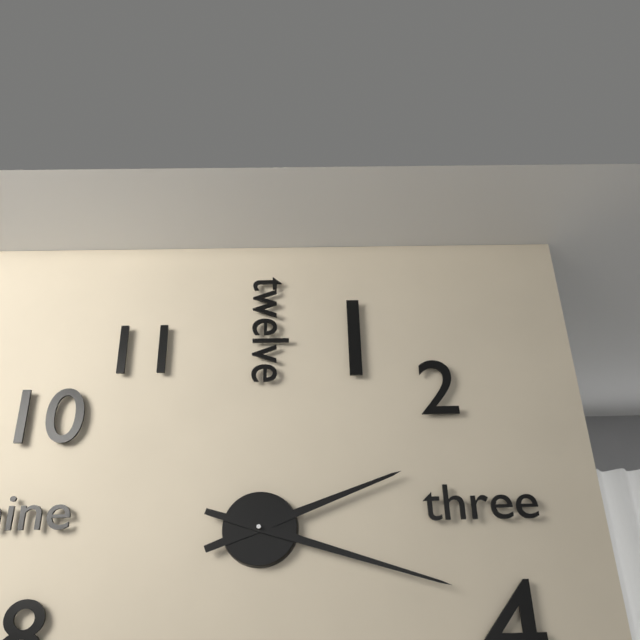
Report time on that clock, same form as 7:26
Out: 2:18
